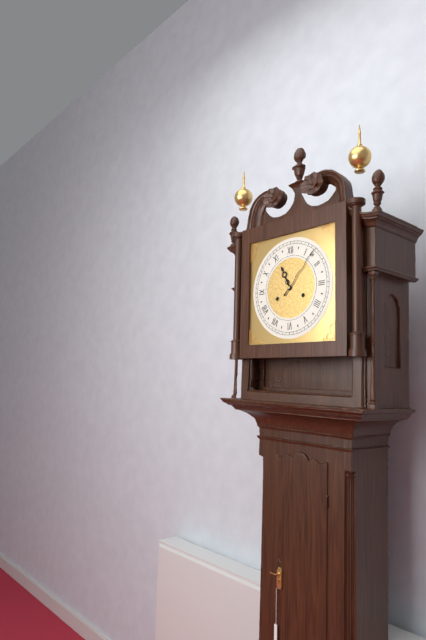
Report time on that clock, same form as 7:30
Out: 11:07
